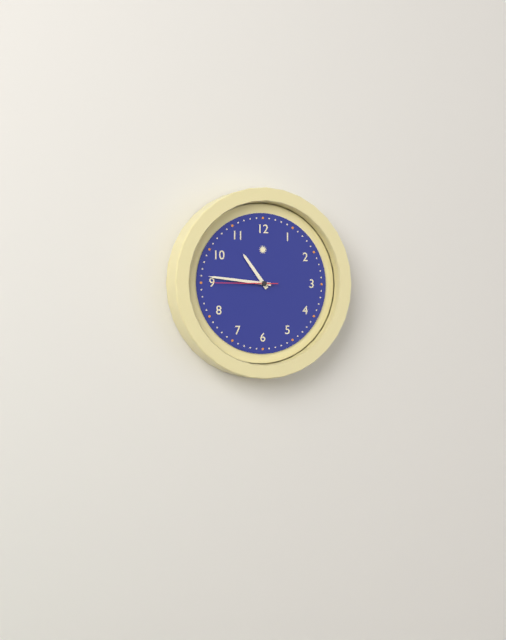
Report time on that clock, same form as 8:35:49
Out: 10:46:45
